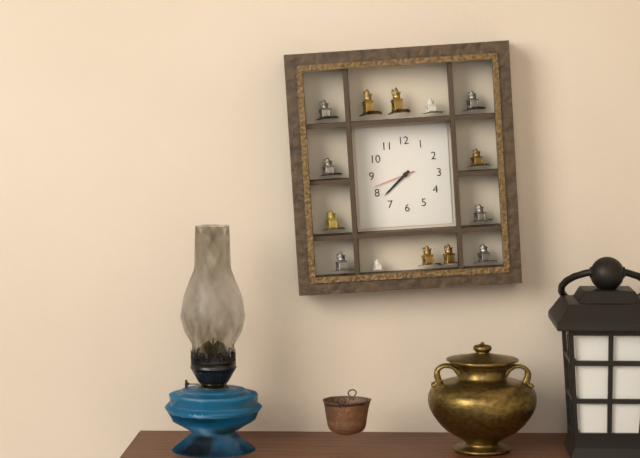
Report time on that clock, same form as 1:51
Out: 7:38
